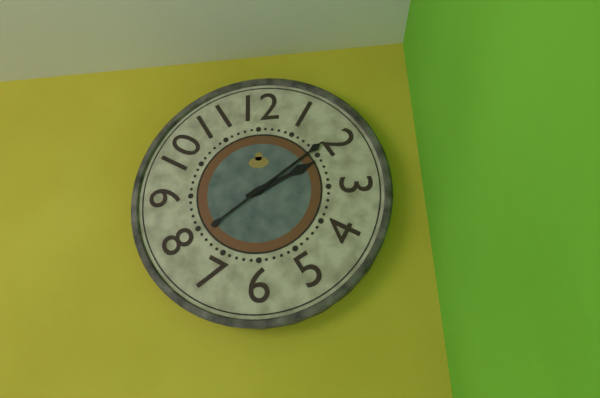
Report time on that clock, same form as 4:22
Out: 2:09
